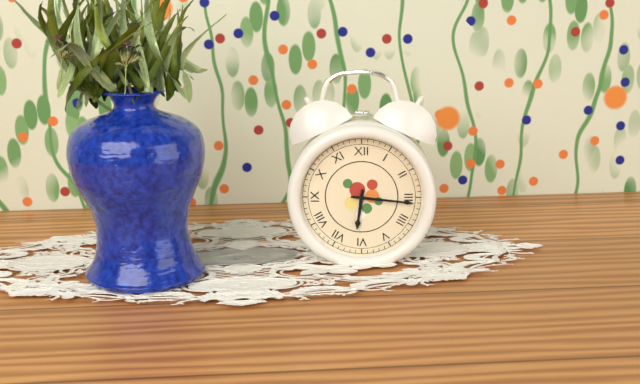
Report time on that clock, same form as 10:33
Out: 6:16
